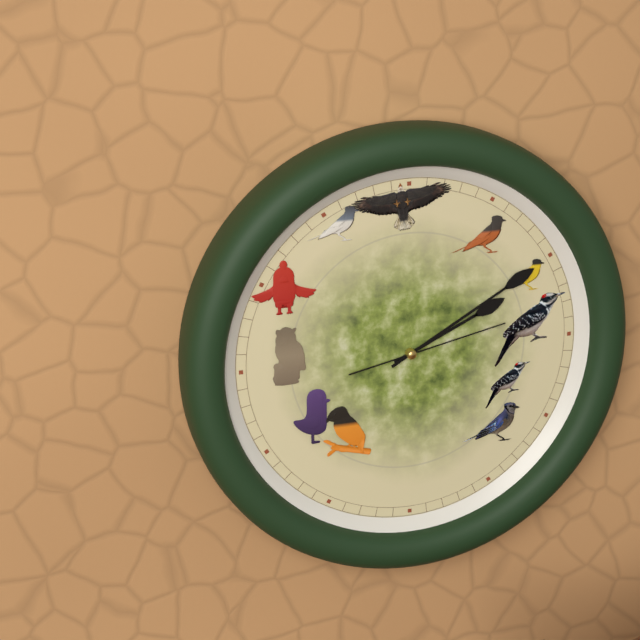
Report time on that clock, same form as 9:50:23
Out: 2:10:13
